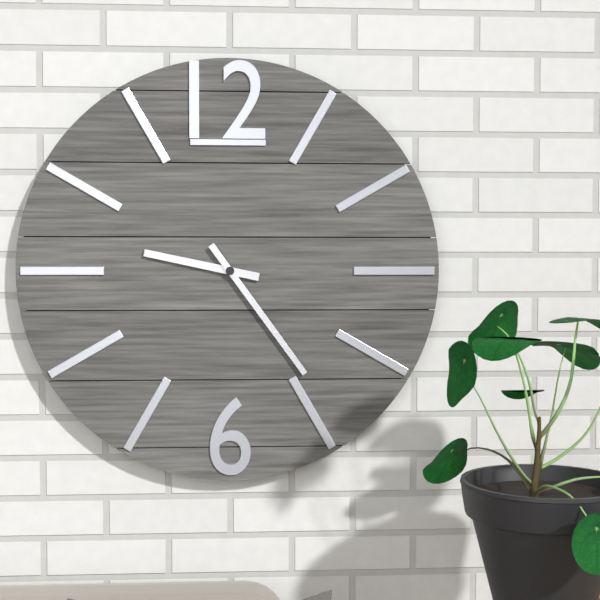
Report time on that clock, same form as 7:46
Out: 9:24
